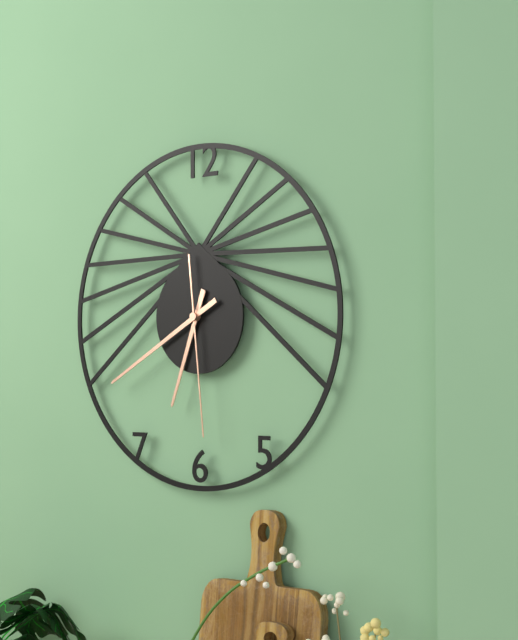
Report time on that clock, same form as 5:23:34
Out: 6:40:29
